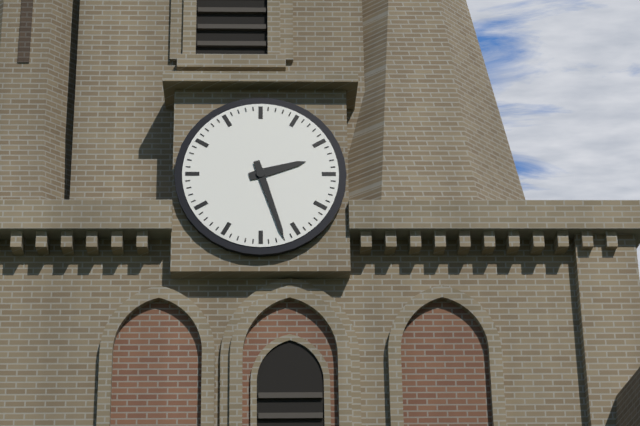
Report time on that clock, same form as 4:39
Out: 2:27
